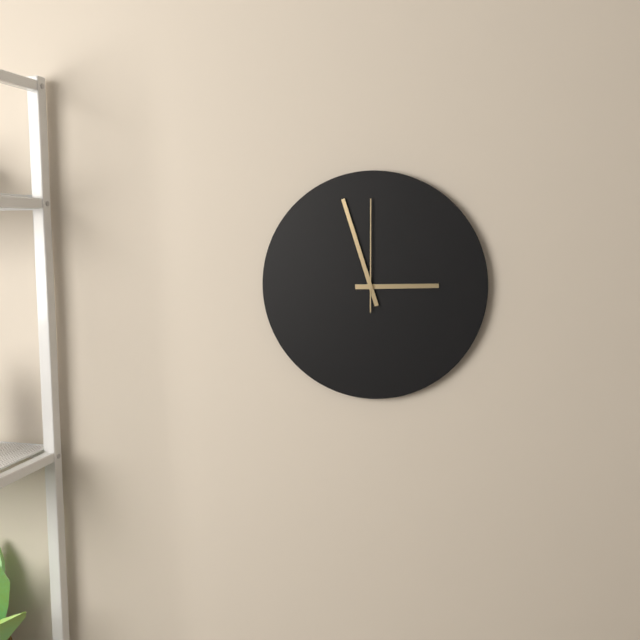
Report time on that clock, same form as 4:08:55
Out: 2:57:00
